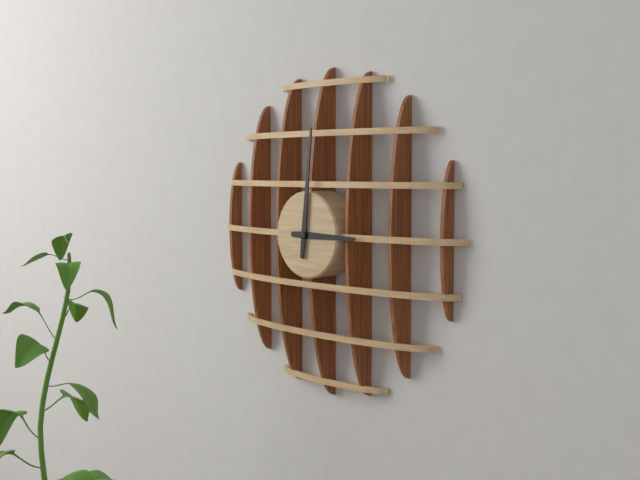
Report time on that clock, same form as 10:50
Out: 3:01
